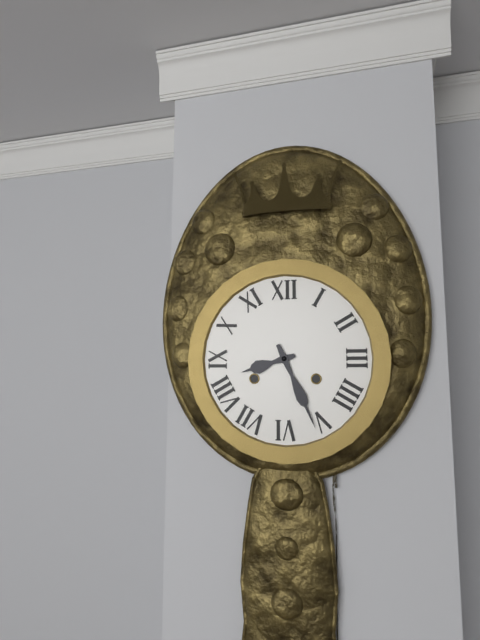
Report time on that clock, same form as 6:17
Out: 8:26
